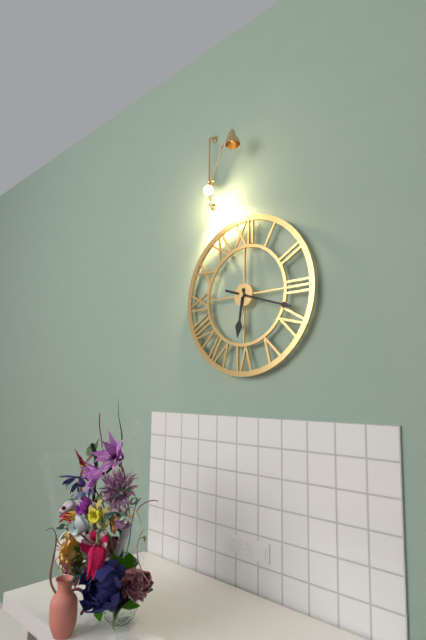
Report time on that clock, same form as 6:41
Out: 6:18
